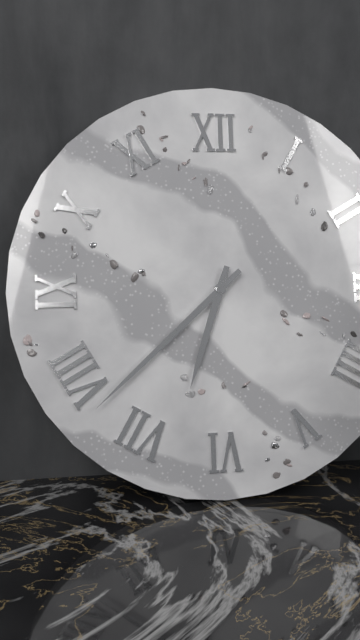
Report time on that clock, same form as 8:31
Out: 6:38
